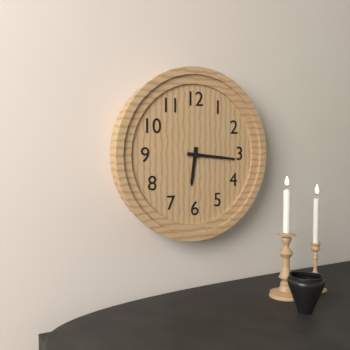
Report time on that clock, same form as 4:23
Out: 6:16
